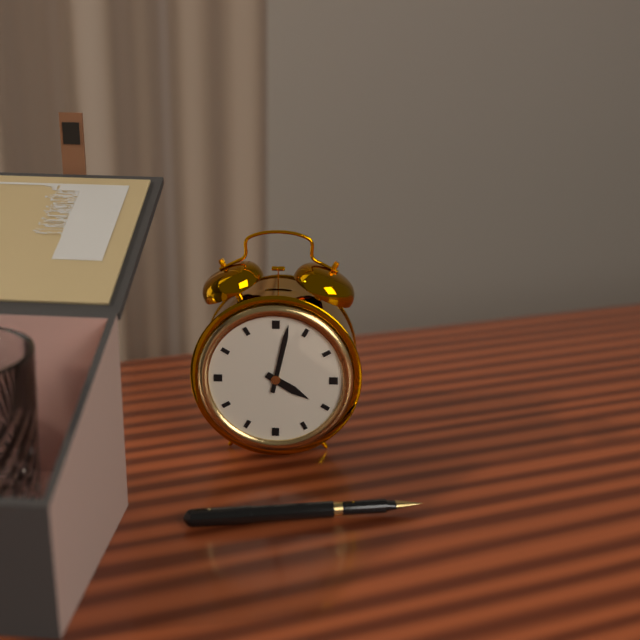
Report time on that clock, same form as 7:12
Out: 4:02
